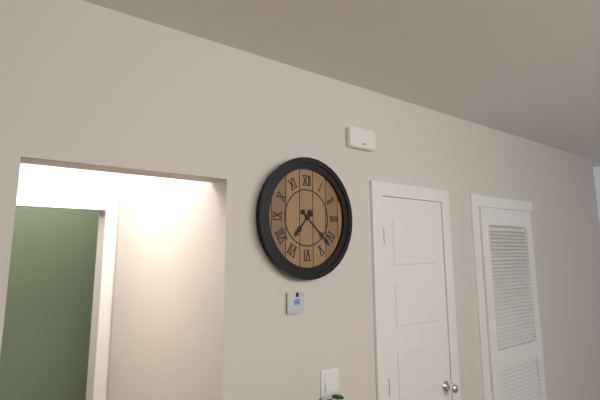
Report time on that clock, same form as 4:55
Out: 7:22
